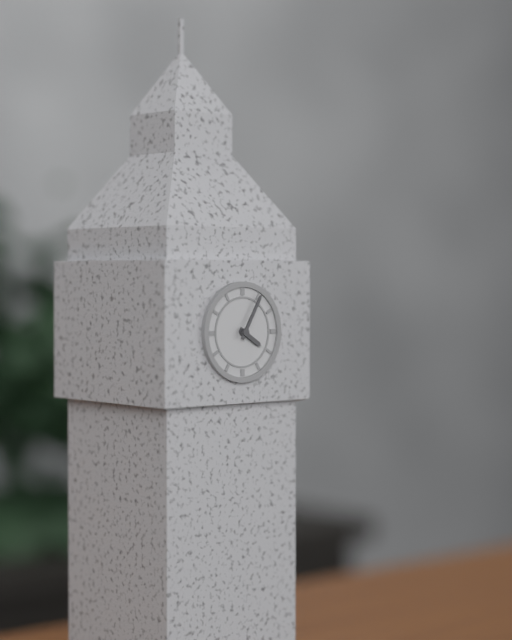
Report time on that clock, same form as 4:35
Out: 4:05
